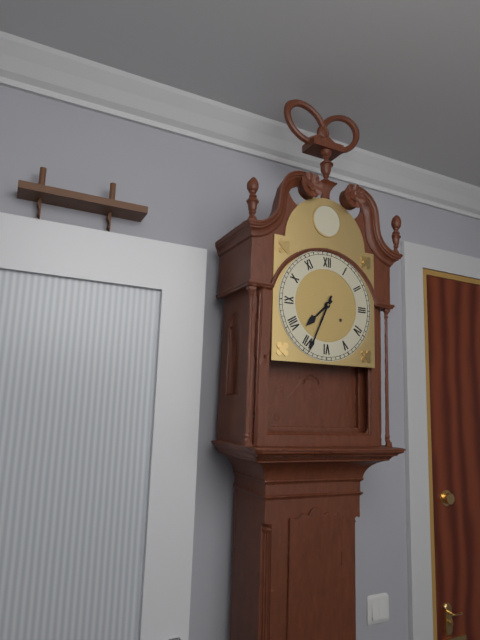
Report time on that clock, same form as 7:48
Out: 7:34
